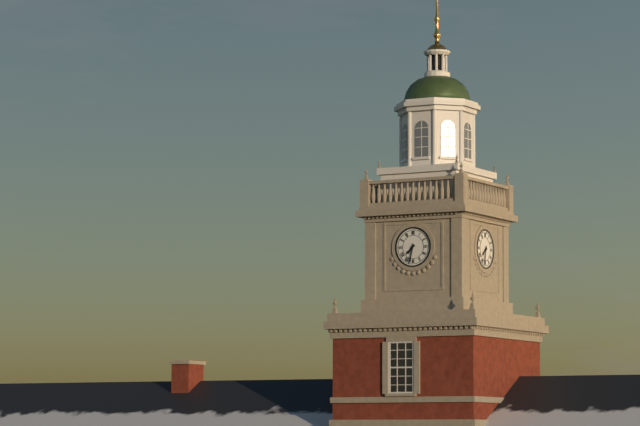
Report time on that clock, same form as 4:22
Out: 7:32
